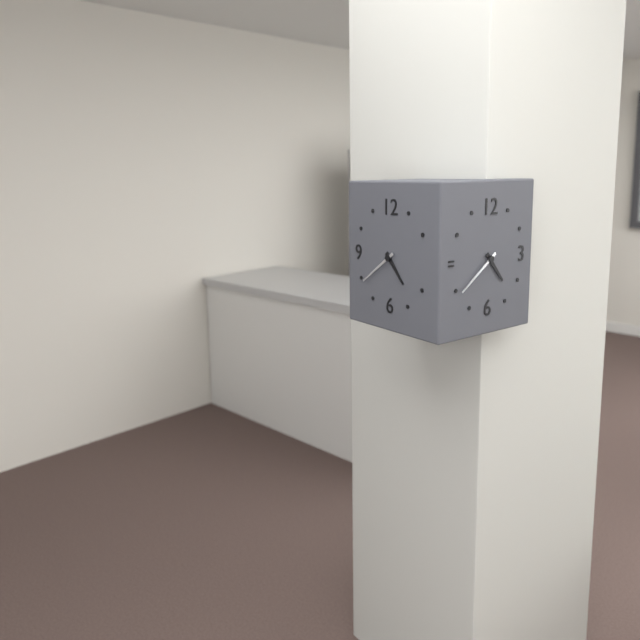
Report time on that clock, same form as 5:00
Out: 4:39
